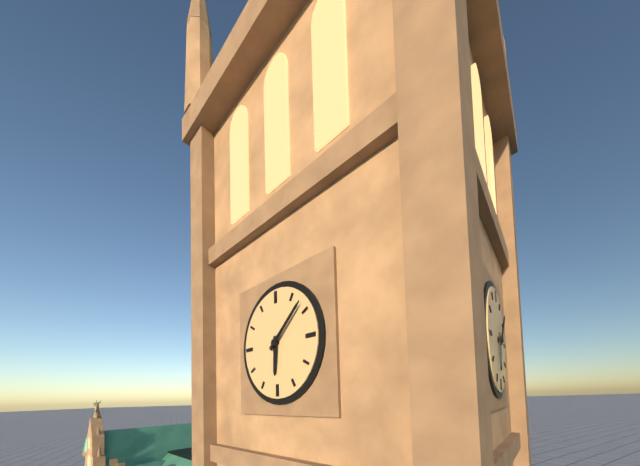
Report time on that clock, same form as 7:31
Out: 6:08
